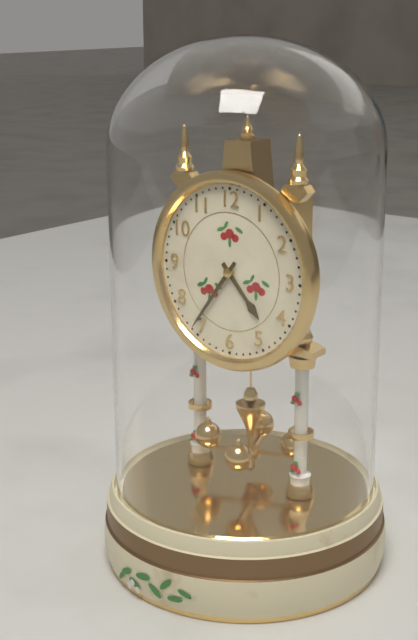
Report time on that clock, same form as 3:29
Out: 4:36
